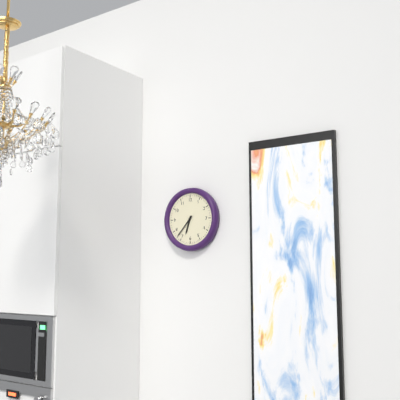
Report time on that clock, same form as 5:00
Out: 6:37
